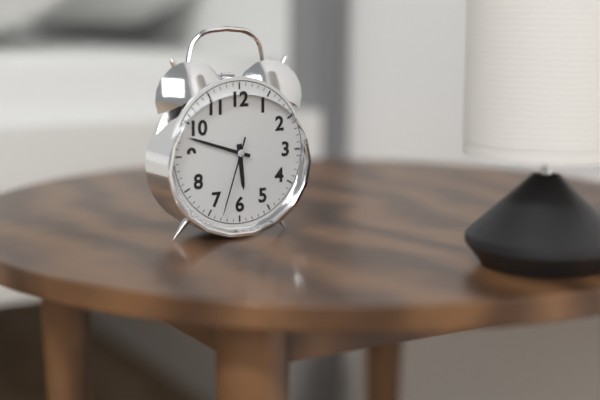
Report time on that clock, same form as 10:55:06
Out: 5:48:33
